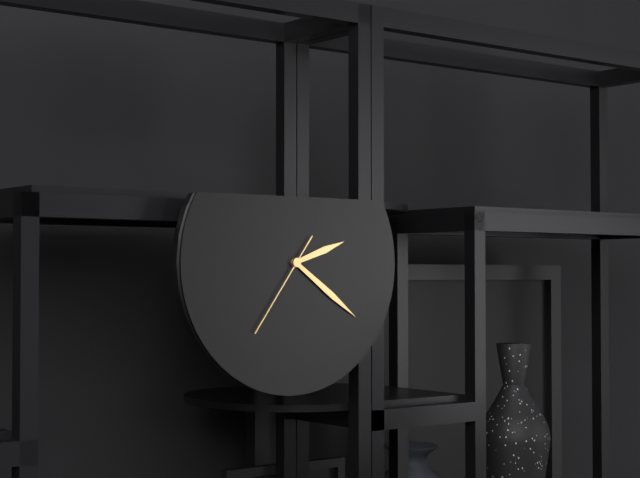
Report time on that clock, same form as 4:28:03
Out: 2:21:36
